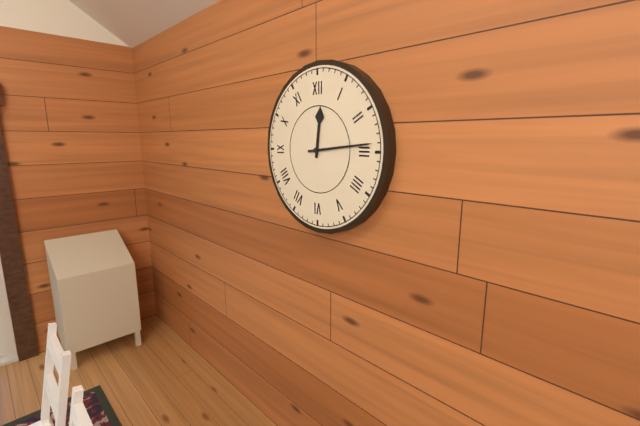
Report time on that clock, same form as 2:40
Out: 12:14
